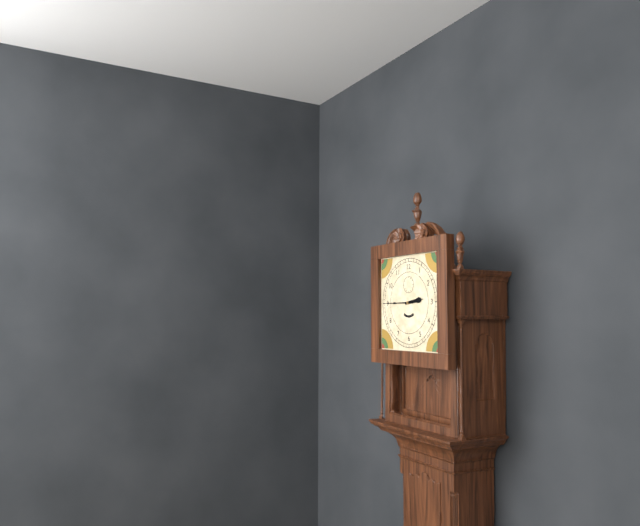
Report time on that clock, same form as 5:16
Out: 2:45
